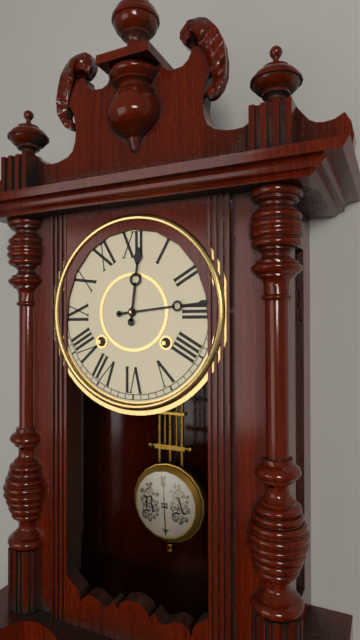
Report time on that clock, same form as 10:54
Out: 12:14
